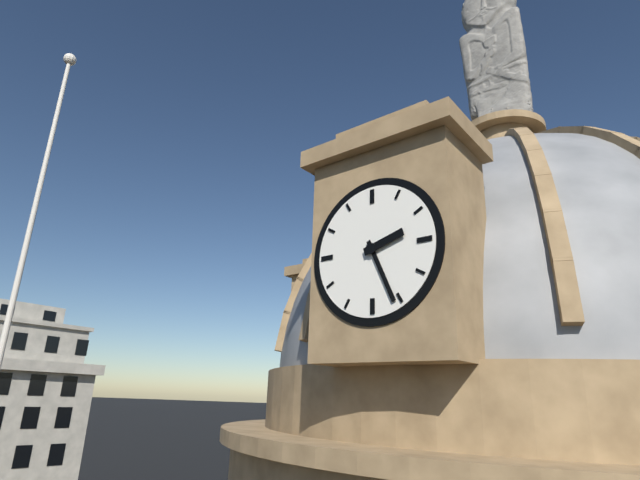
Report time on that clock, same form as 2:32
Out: 2:26
